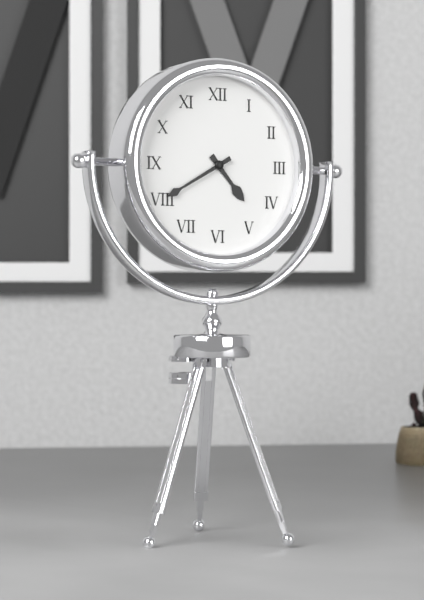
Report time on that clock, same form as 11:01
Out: 4:40
